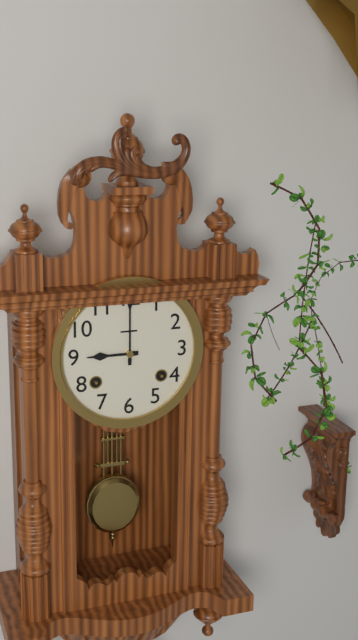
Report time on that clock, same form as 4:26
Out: 9:00
